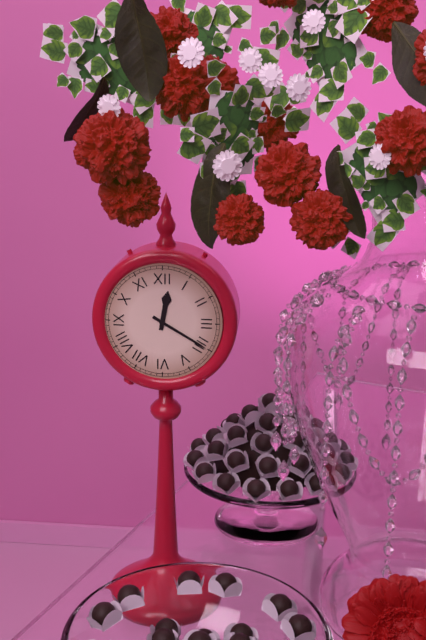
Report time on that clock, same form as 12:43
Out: 12:20
